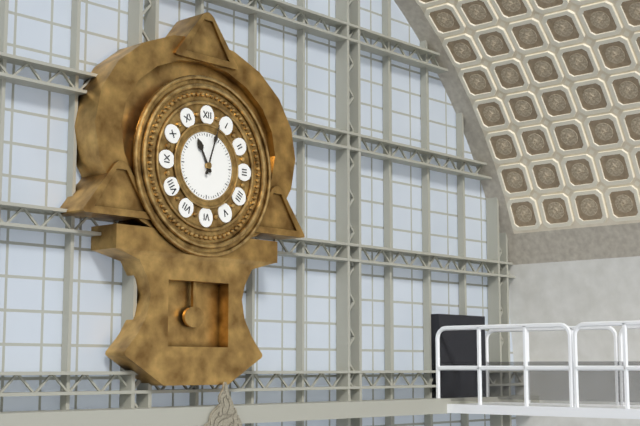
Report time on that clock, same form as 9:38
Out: 11:03
